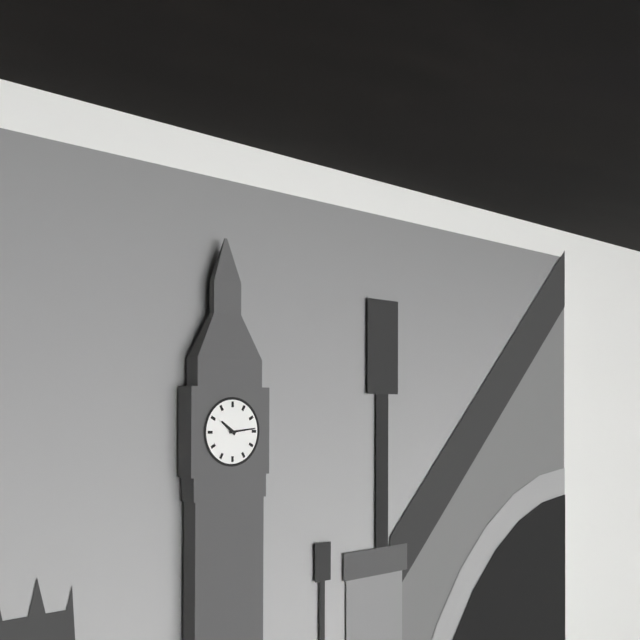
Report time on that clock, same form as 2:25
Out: 10:14
